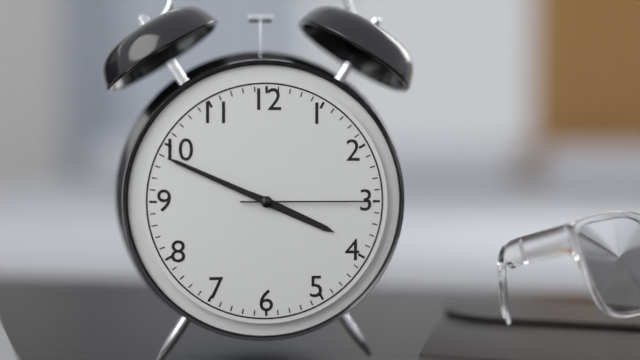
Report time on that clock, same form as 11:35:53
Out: 3:49:15
